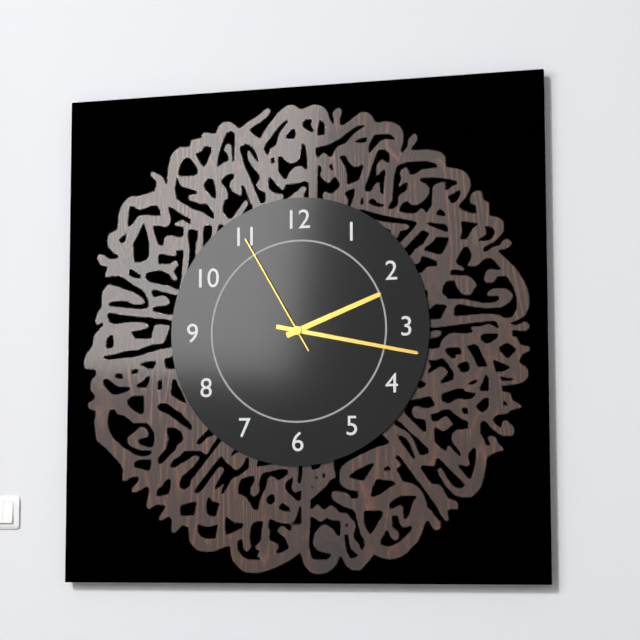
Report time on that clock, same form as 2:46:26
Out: 2:17:55
